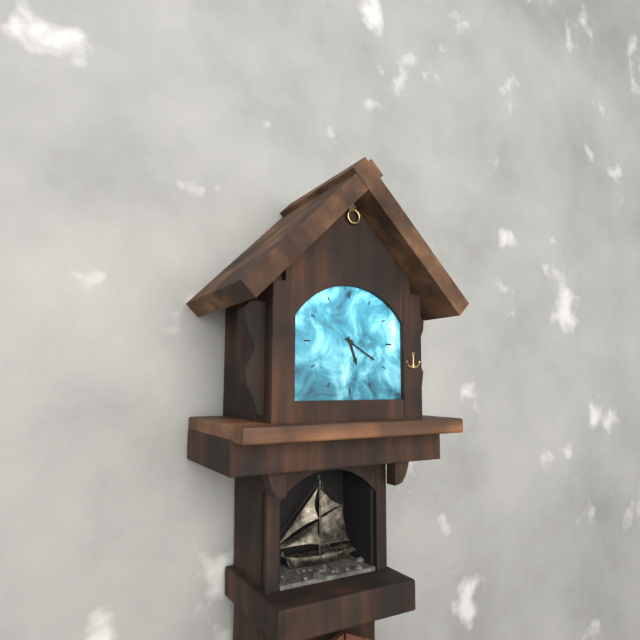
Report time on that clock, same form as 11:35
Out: 5:20
